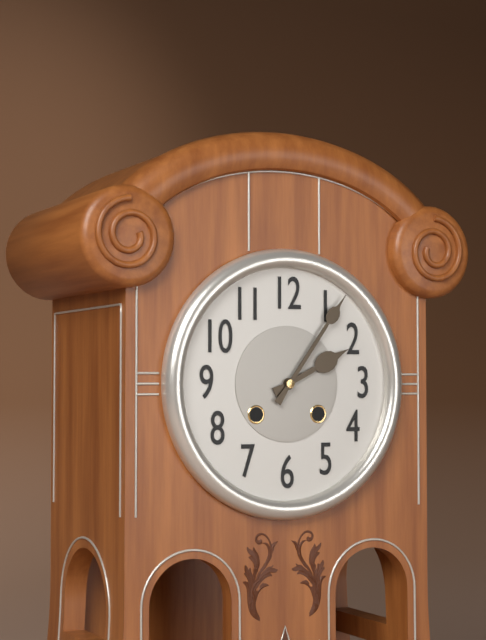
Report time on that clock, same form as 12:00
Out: 2:06
